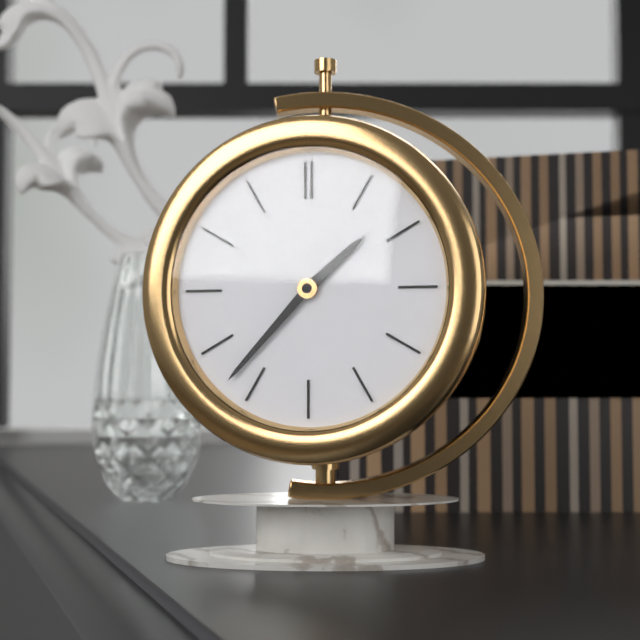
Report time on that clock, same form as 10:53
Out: 1:37
